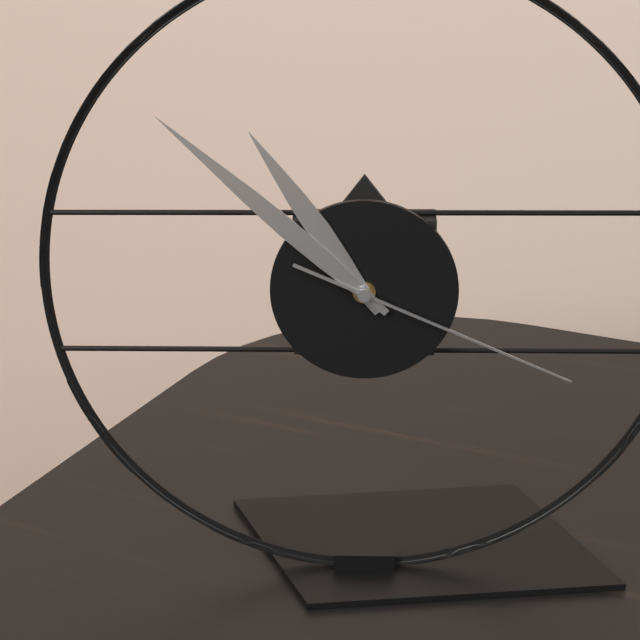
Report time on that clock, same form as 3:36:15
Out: 10:52:19
